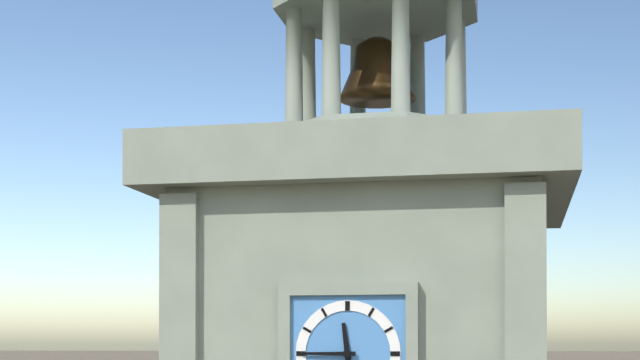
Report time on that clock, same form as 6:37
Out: 11:45
